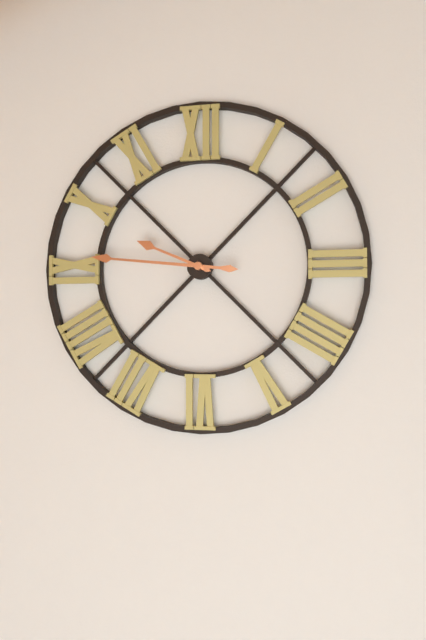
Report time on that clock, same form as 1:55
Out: 9:46
